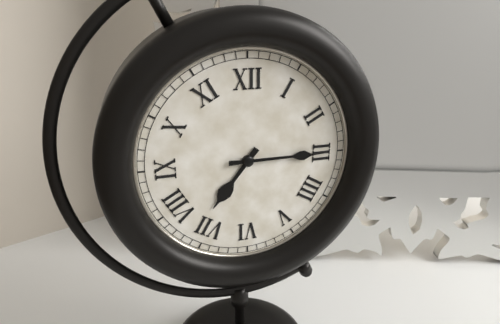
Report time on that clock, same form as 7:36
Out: 7:15
